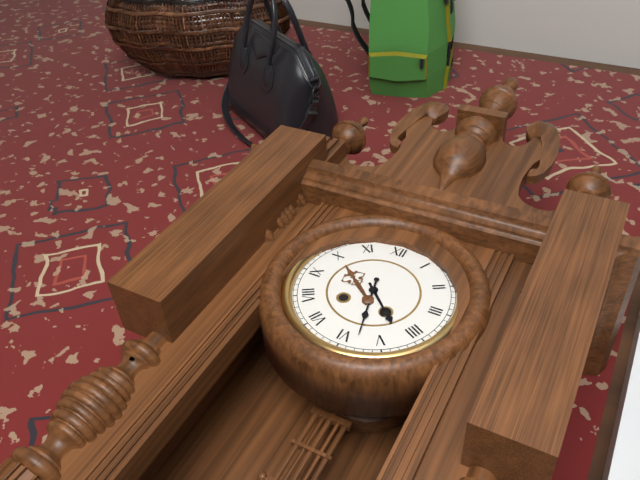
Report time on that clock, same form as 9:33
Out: 4:28
